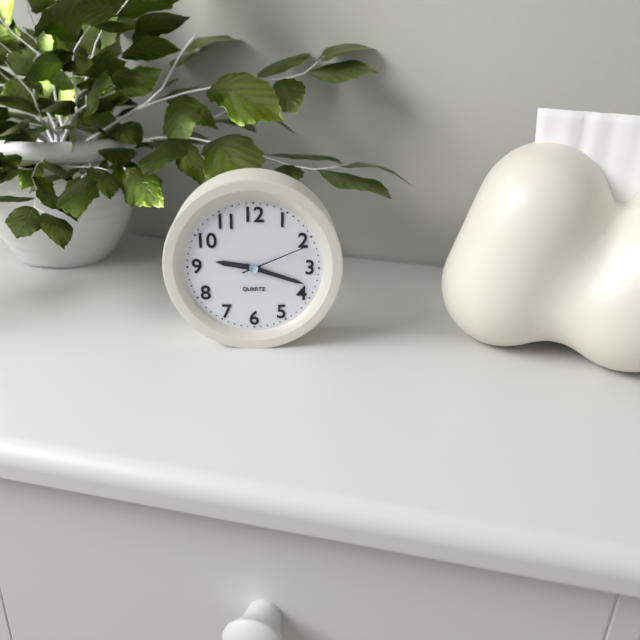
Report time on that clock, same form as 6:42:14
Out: 9:18:11
